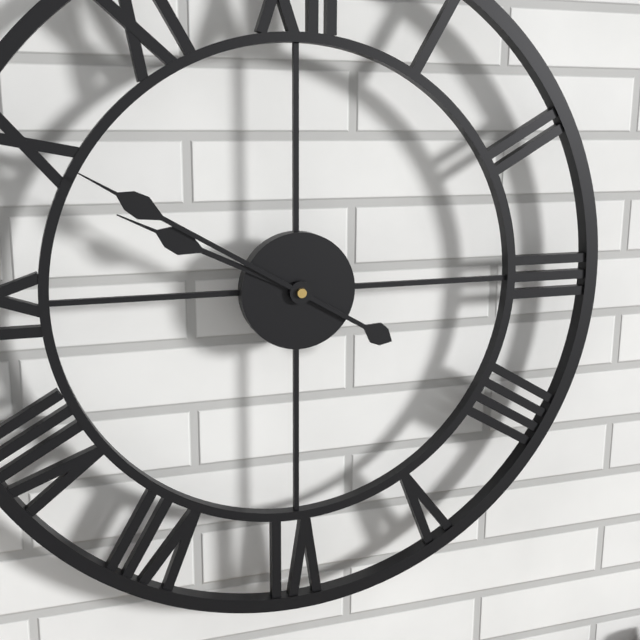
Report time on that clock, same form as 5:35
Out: 9:50
